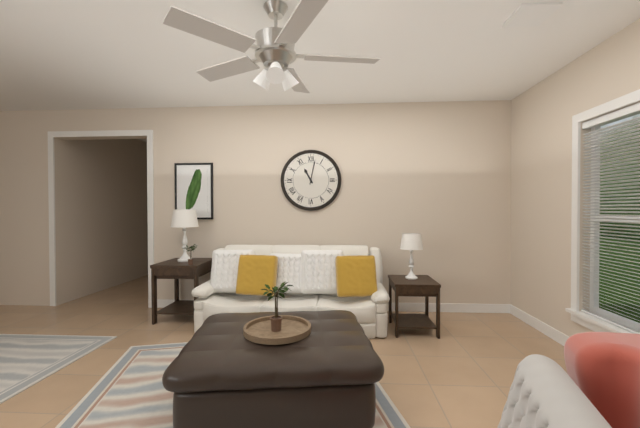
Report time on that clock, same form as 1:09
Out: 11:02
